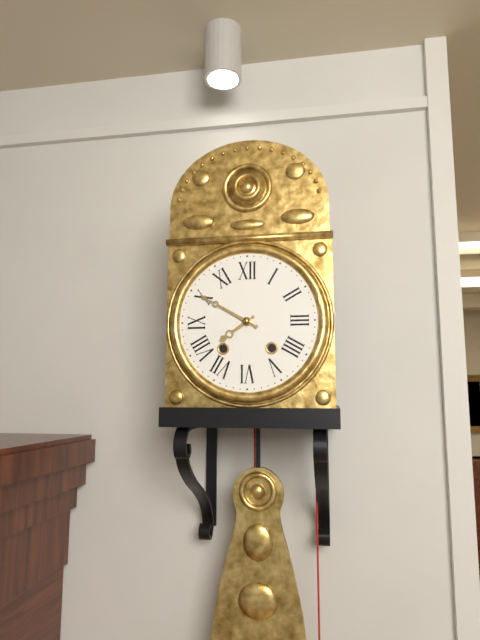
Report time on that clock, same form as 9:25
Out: 7:50
